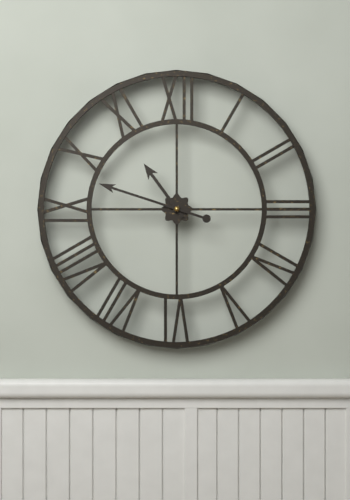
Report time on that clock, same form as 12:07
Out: 10:48
